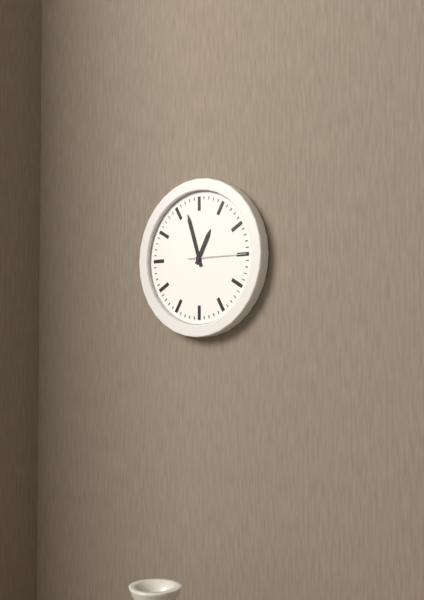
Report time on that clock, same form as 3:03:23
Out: 12:57:15
